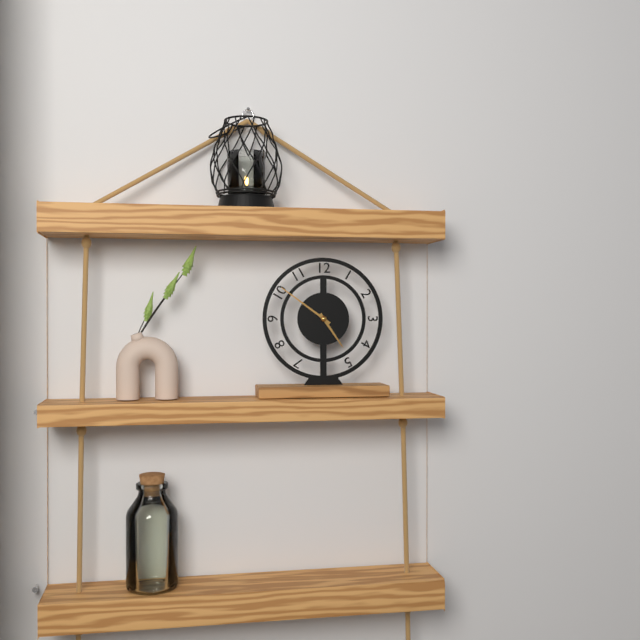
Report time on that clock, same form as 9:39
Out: 4:51
